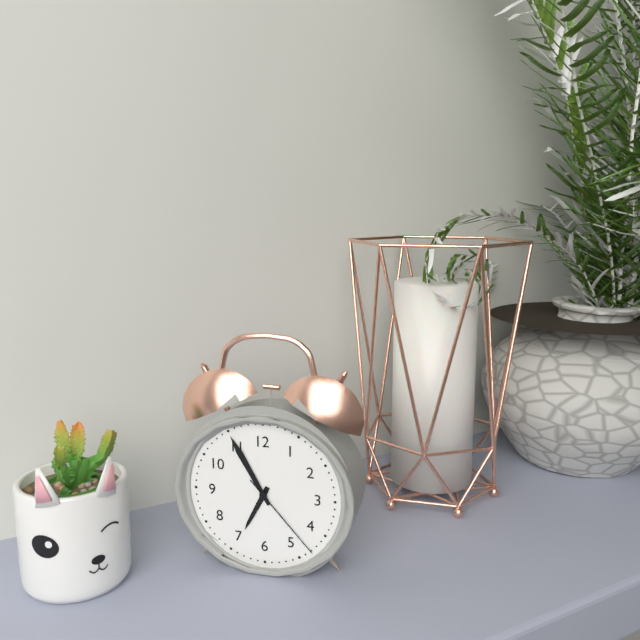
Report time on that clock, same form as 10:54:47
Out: 6:55:23
